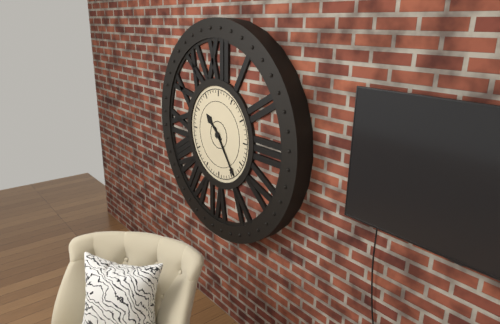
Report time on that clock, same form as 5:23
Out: 10:24
